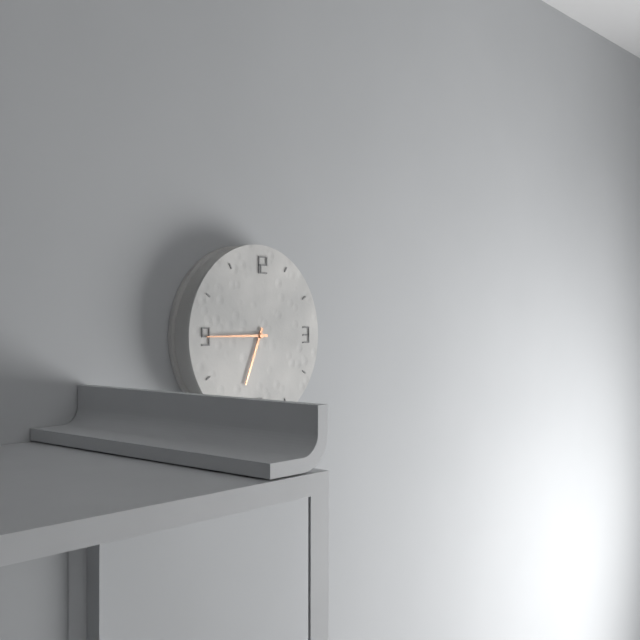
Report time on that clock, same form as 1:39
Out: 6:45
